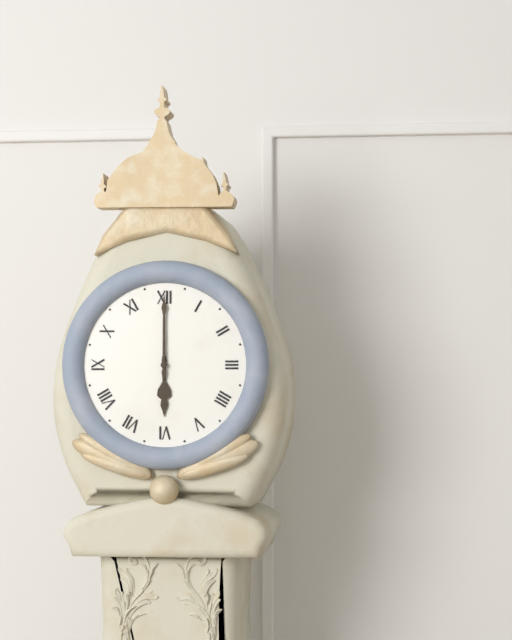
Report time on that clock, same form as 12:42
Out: 6:00
